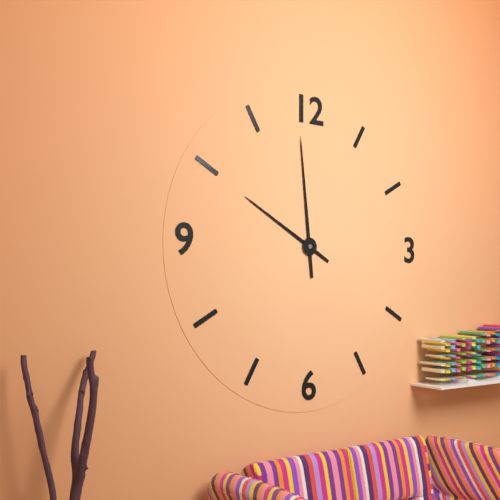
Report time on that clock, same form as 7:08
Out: 9:59
